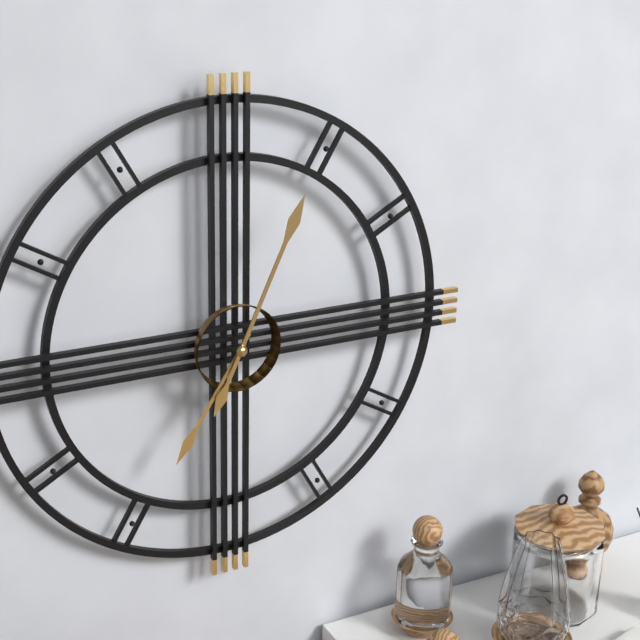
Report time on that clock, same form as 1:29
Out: 7:04
